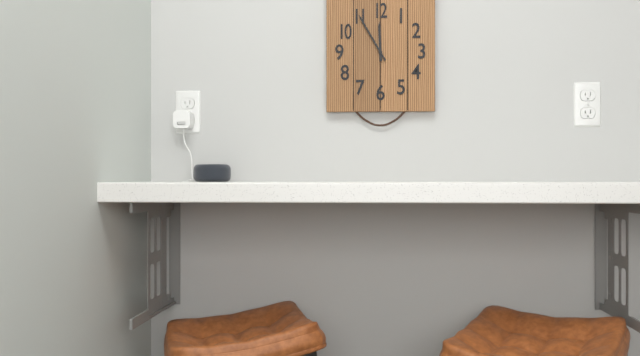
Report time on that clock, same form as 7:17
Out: 11:55
